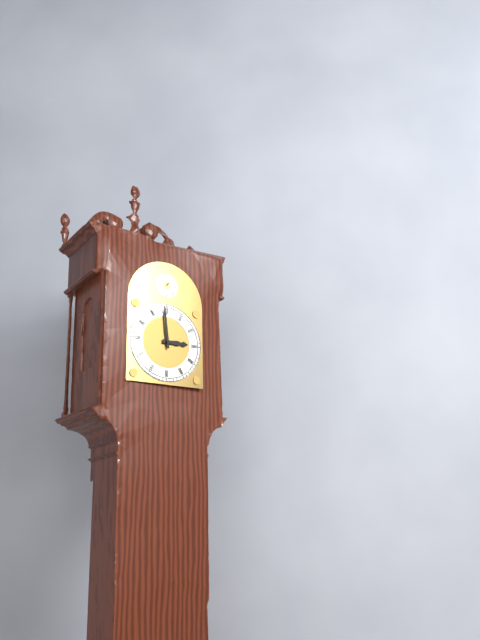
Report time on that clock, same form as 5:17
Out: 2:59
